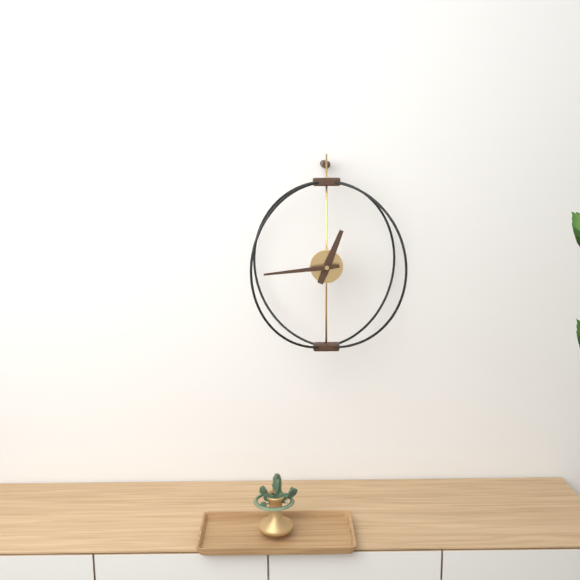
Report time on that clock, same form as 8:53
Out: 12:44
